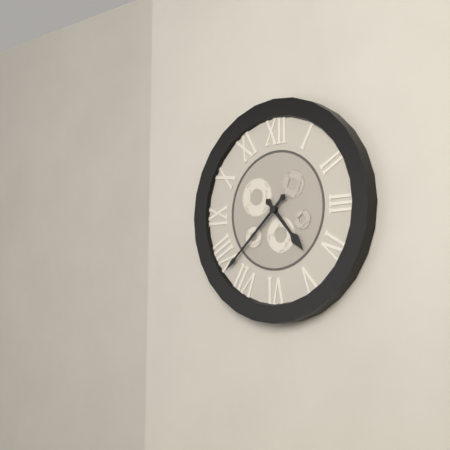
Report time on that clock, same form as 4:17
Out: 4:38
